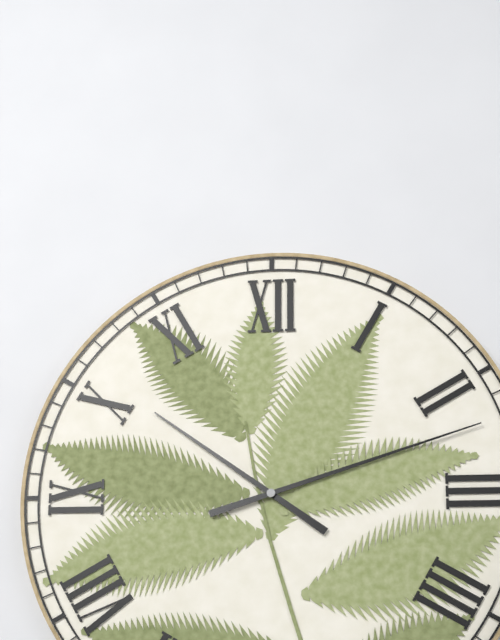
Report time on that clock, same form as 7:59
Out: 10:12
